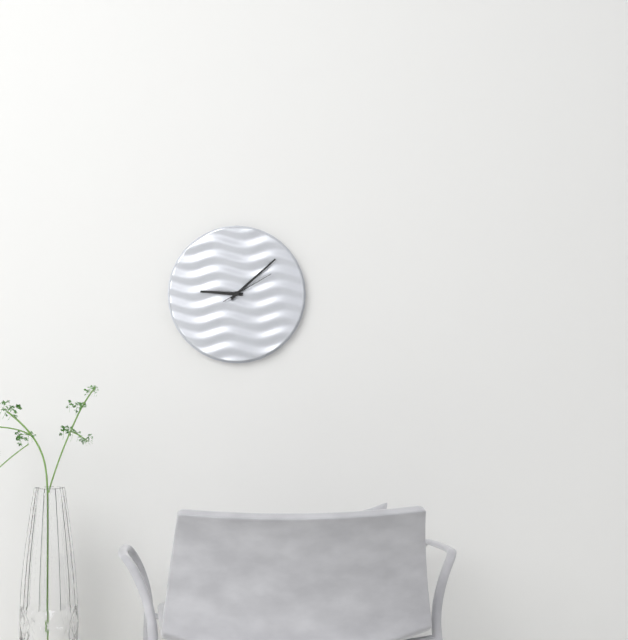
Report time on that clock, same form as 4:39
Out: 9:08
